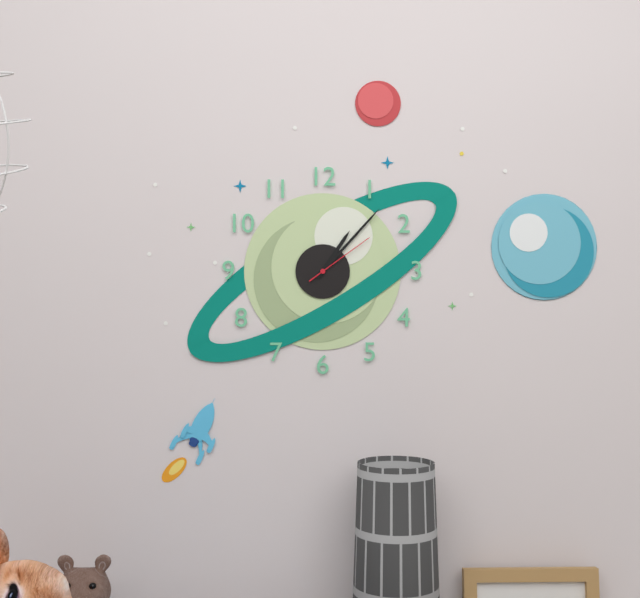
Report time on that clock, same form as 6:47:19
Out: 1:07:09
